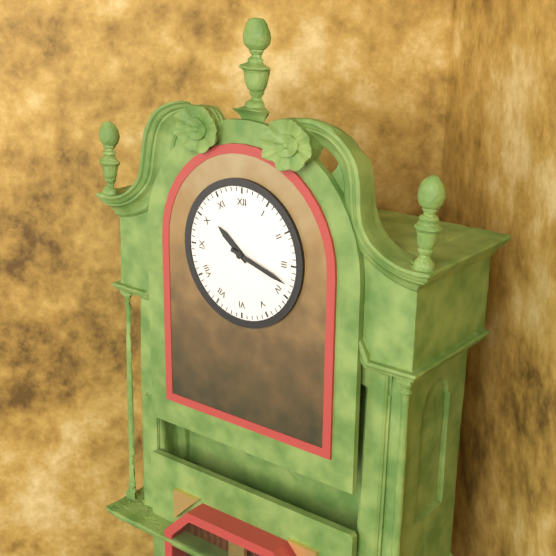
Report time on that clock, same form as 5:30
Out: 10:18
